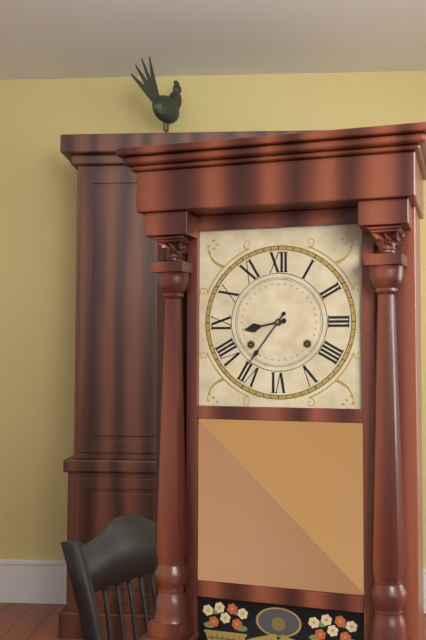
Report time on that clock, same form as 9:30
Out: 8:36
